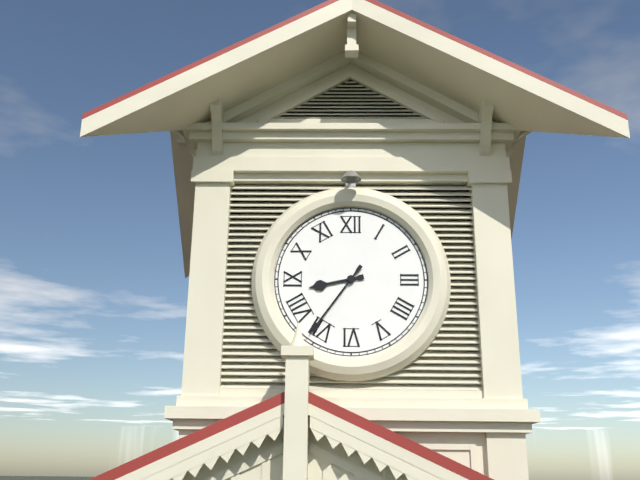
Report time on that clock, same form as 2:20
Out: 8:36
